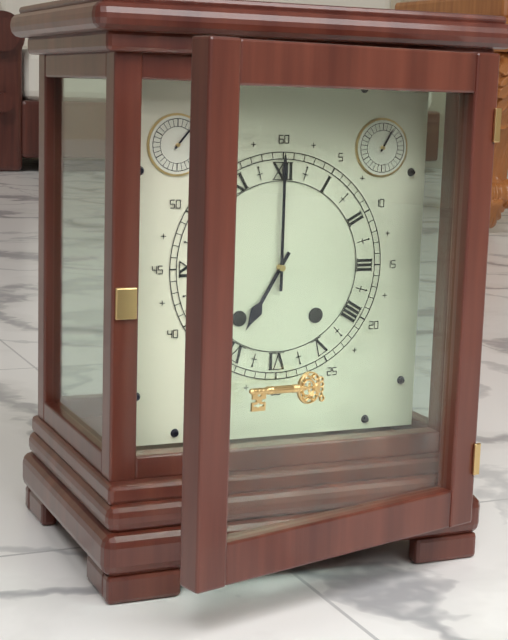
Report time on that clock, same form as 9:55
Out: 7:00
